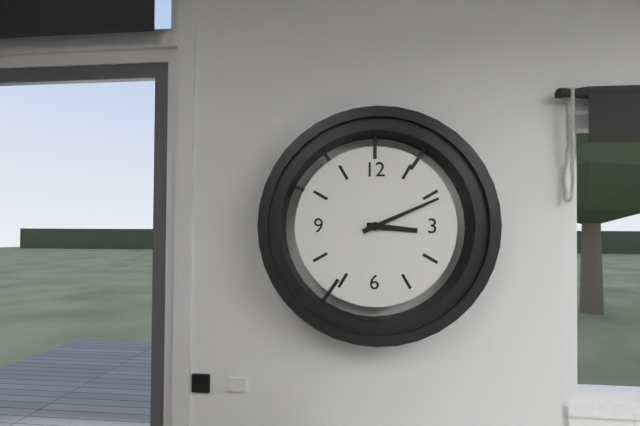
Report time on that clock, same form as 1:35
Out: 3:11
